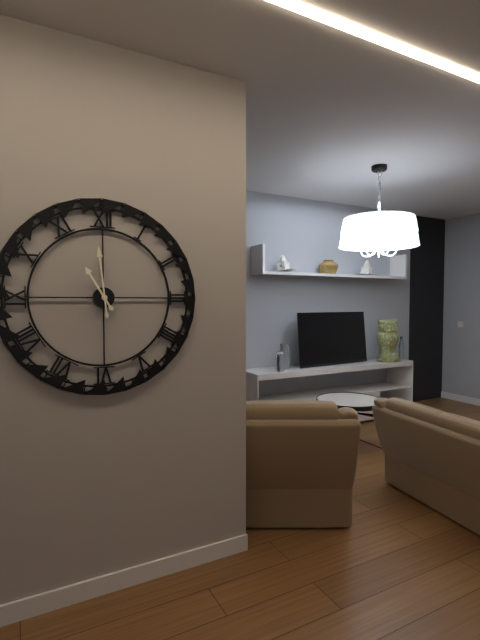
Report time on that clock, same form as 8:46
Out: 10:59
